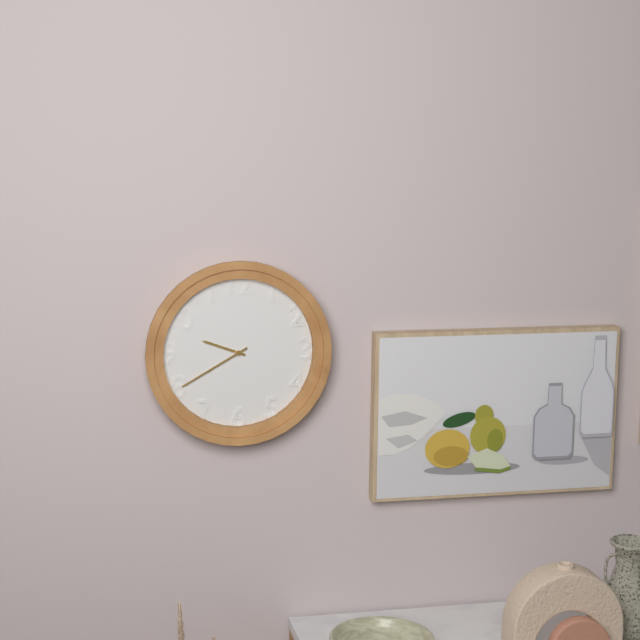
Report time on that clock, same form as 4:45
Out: 9:40
